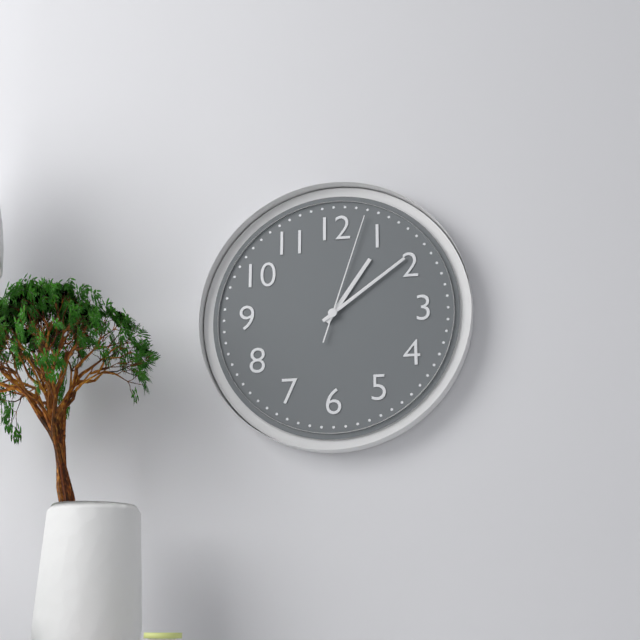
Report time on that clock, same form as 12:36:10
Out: 1:09:03
